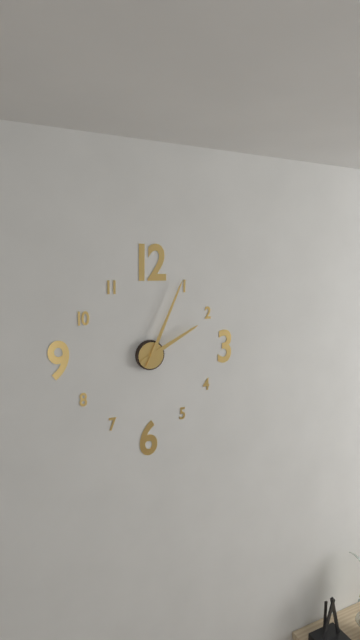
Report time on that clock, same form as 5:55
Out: 2:04
